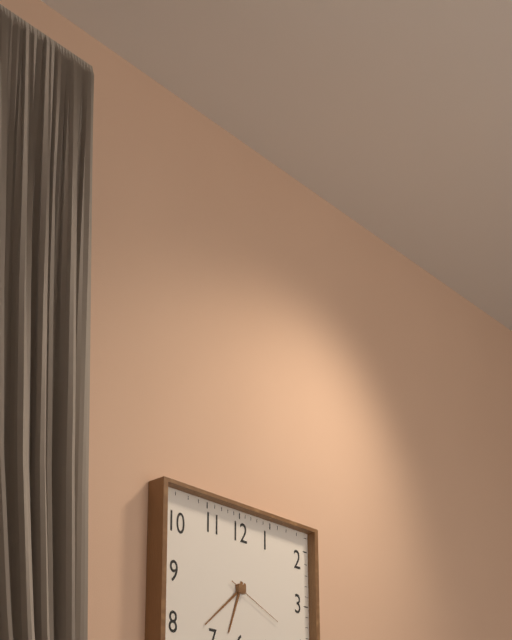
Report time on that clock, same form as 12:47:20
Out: 6:38:19
